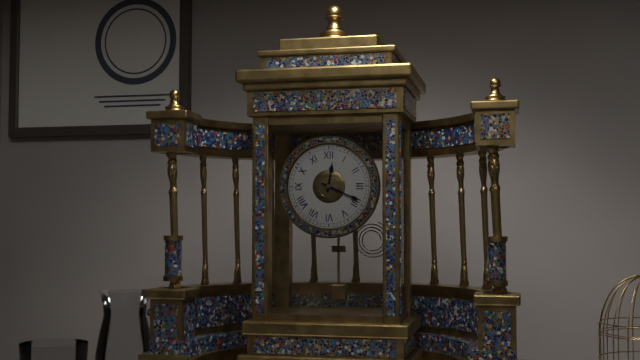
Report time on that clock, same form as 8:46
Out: 12:19
